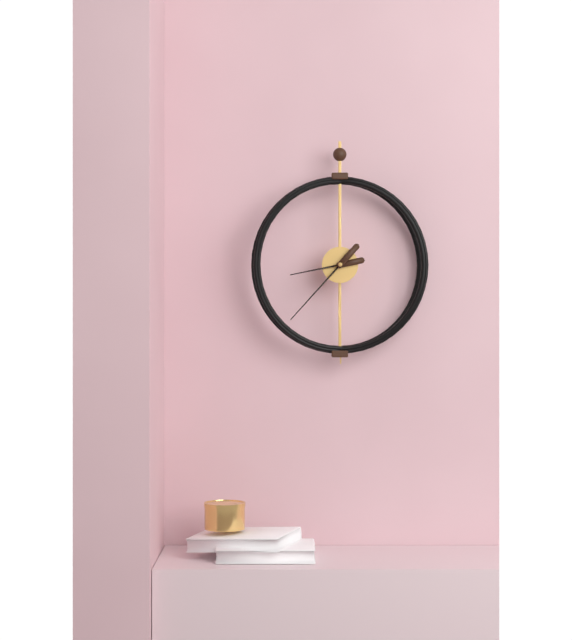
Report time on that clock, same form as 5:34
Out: 8:37
